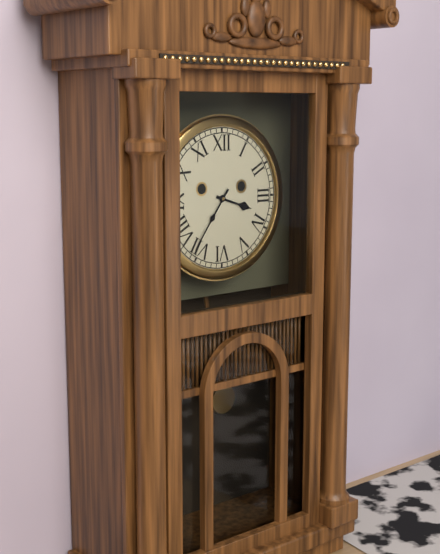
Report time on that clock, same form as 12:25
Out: 3:36
